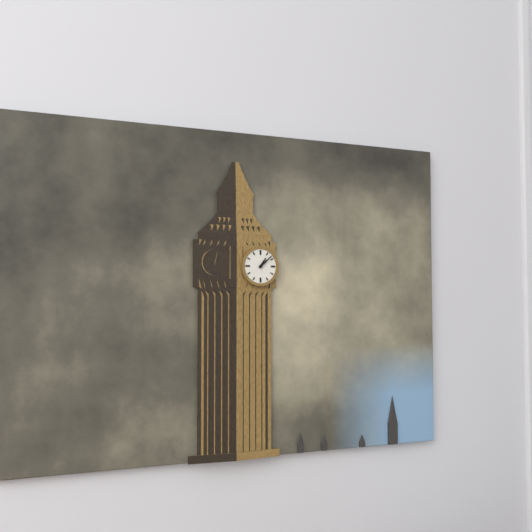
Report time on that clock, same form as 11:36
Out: 1:08
